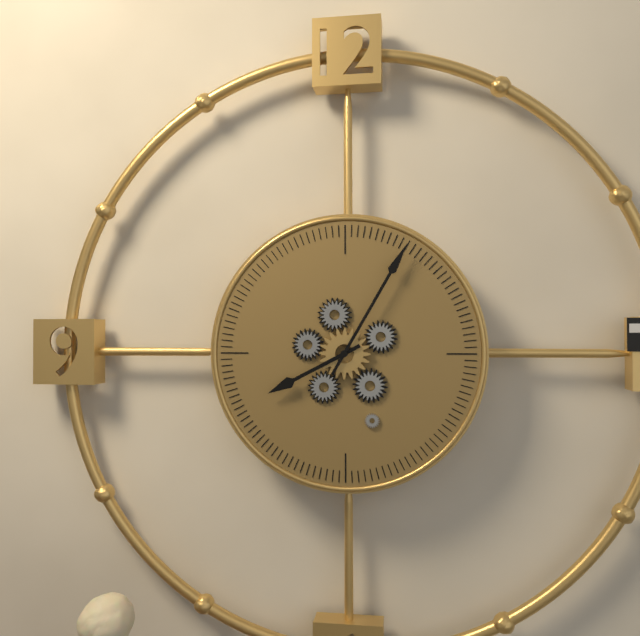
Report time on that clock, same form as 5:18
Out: 8:05
